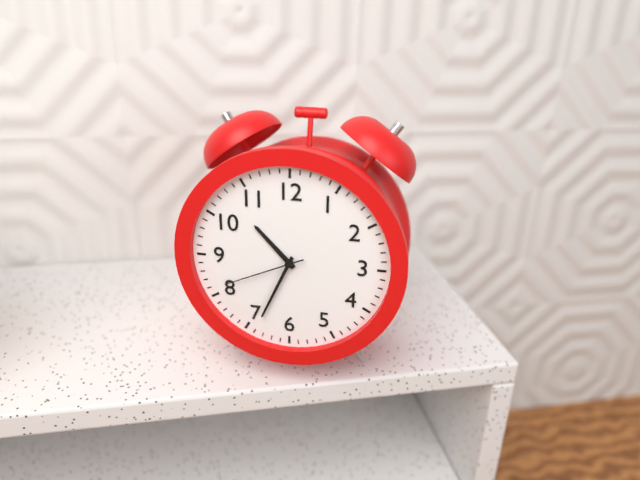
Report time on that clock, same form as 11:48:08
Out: 10:34:41
